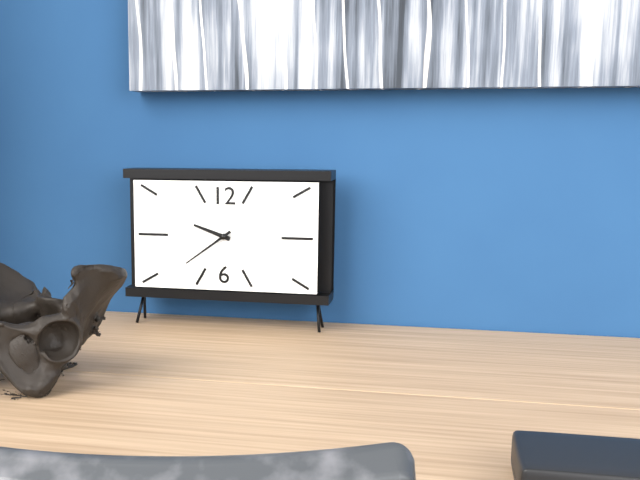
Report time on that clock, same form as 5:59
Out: 9:39
